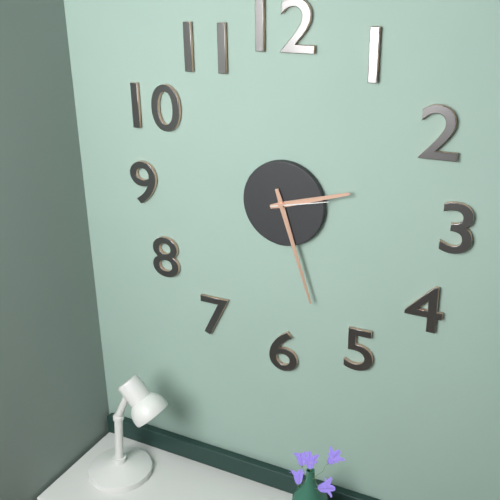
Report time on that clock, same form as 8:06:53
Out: 2:27:13
